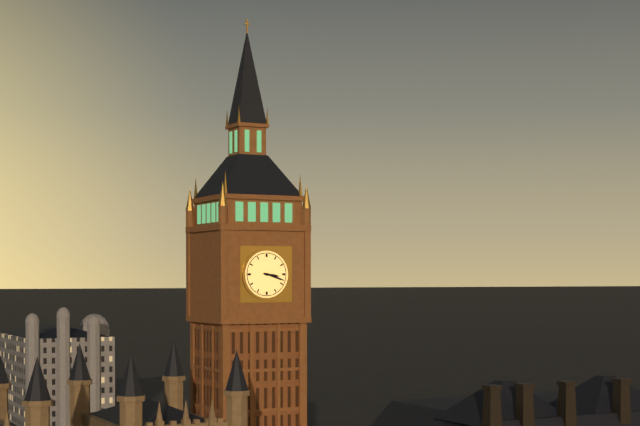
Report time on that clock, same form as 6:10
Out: 3:18
